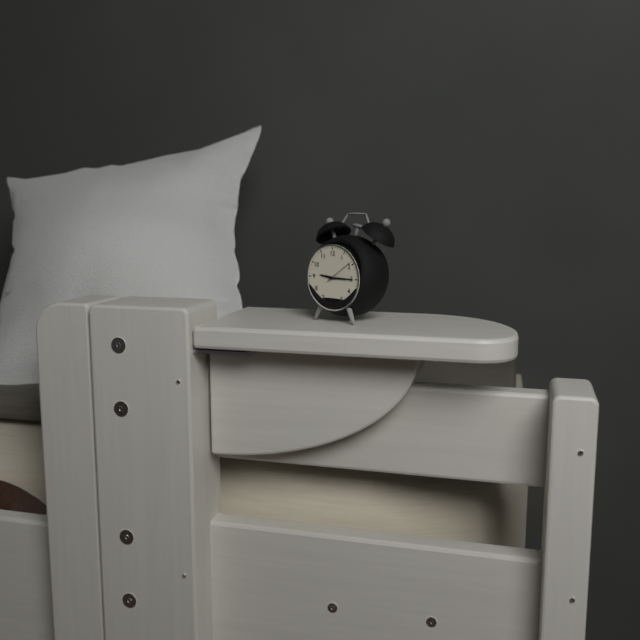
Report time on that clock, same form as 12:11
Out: 9:15
